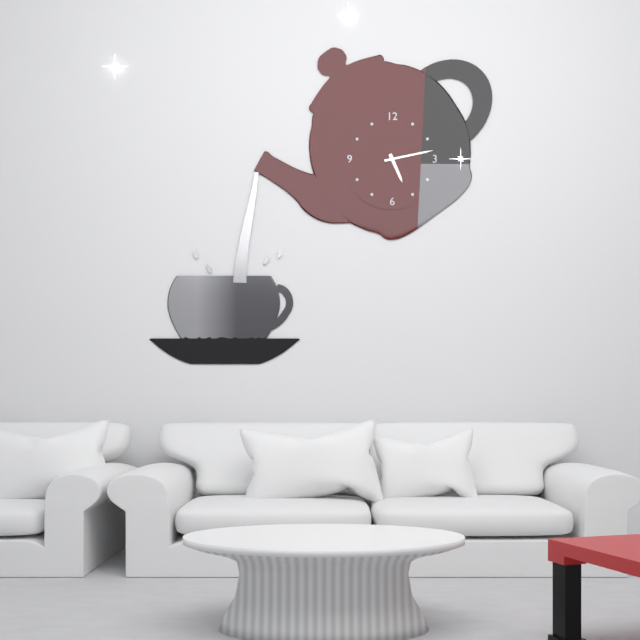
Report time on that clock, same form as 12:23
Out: 5:13
